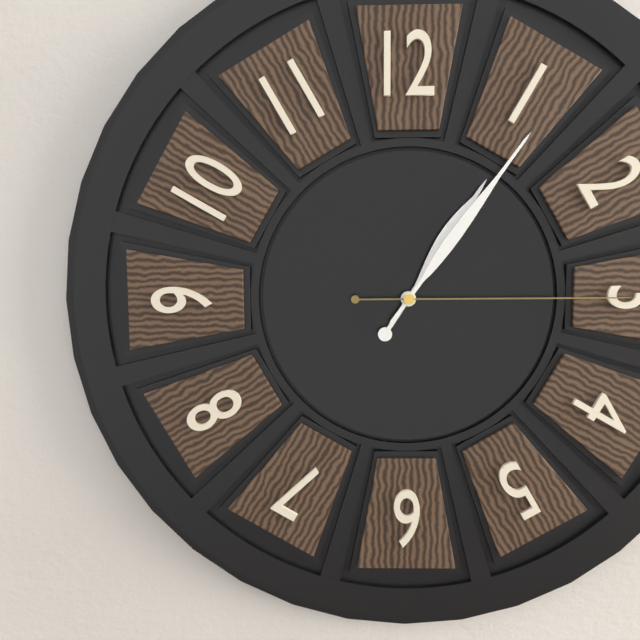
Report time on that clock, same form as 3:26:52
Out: 1:06:15
